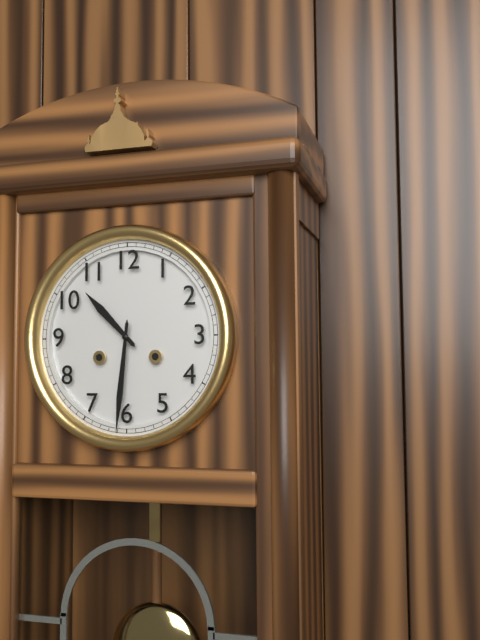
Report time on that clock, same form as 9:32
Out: 10:31
